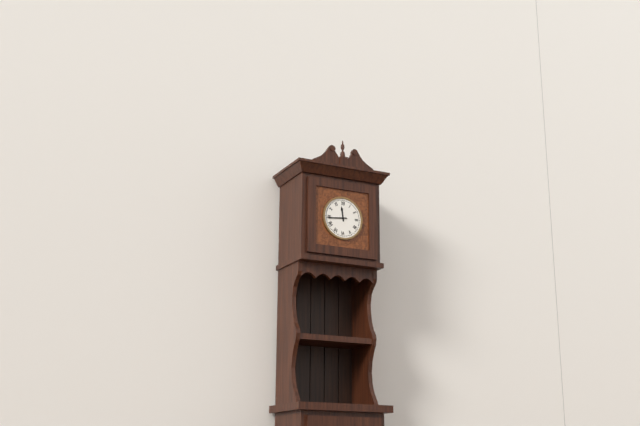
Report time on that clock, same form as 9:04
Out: 11:44
